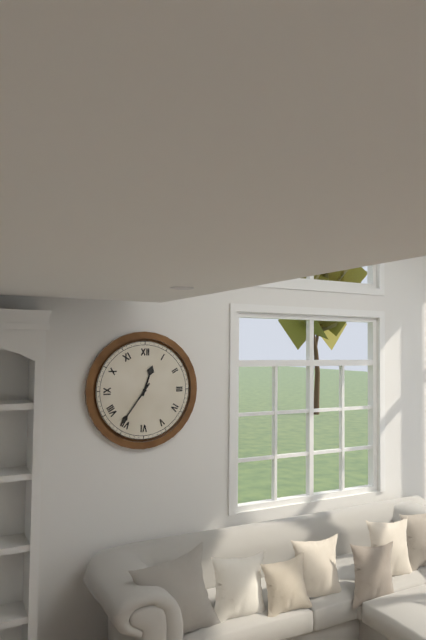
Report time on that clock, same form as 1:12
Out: 12:36
